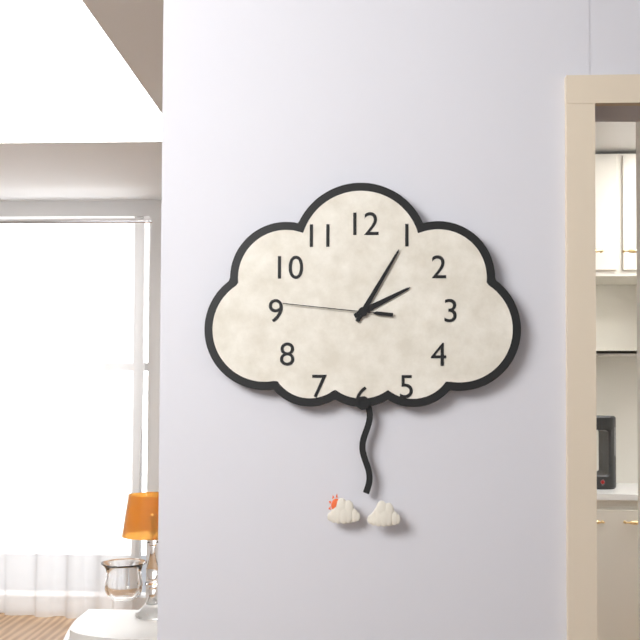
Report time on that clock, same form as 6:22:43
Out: 2:05:46
